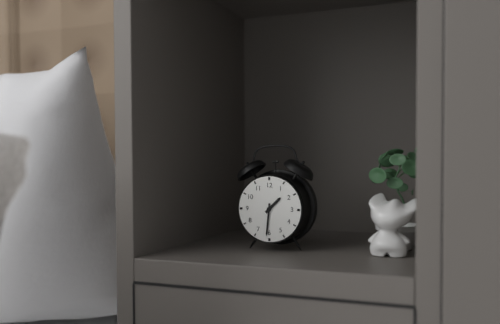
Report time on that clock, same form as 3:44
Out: 1:31
